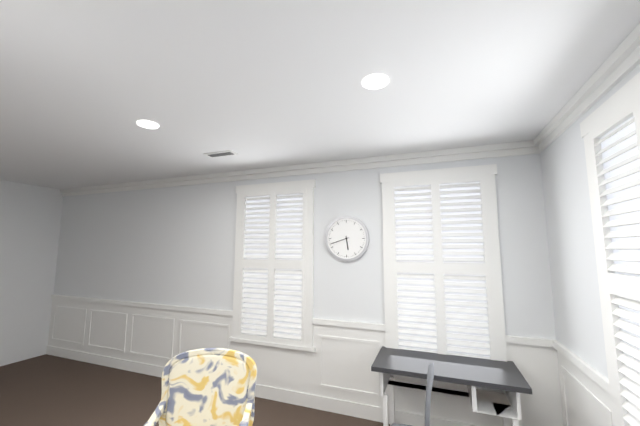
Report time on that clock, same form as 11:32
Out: 5:42
